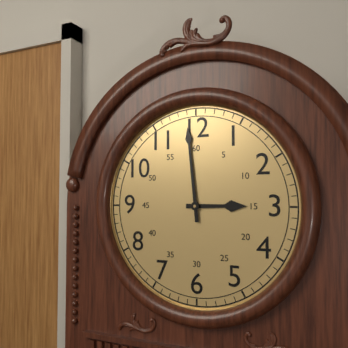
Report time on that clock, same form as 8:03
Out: 2:59
